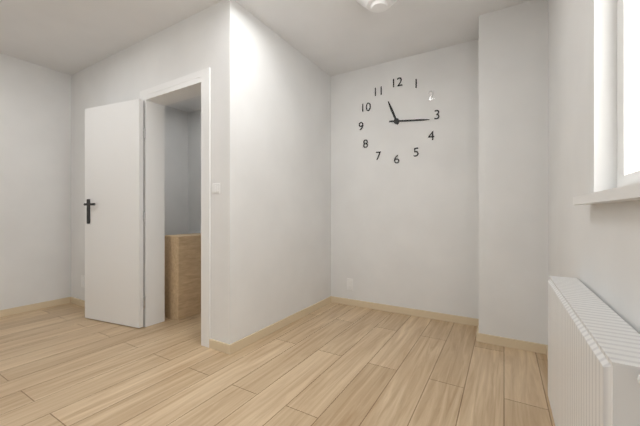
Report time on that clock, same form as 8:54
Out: 11:16
